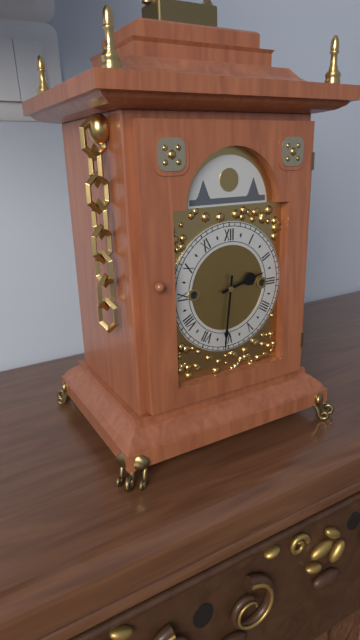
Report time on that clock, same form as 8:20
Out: 2:31
